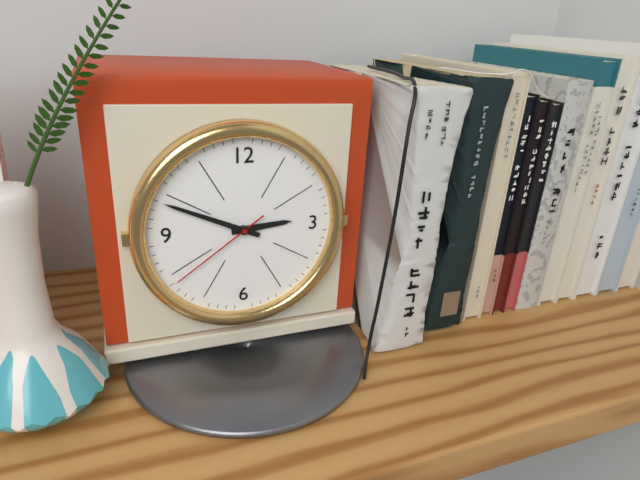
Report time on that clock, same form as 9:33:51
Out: 2:49:39
